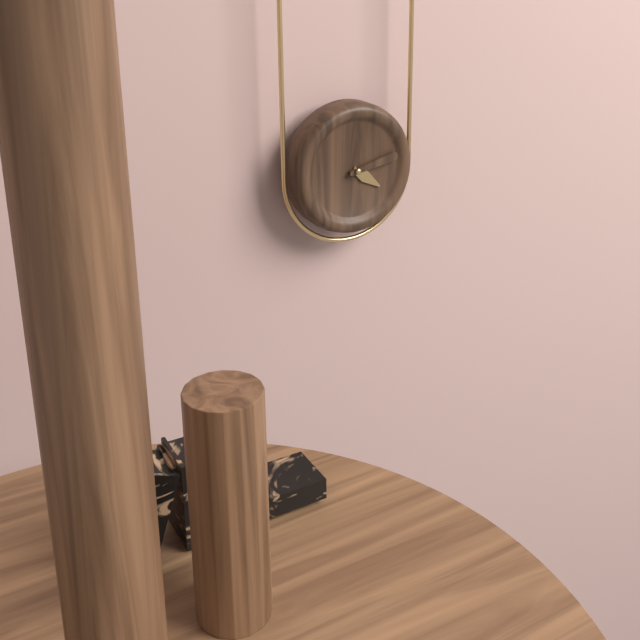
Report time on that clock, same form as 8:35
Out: 4:13
